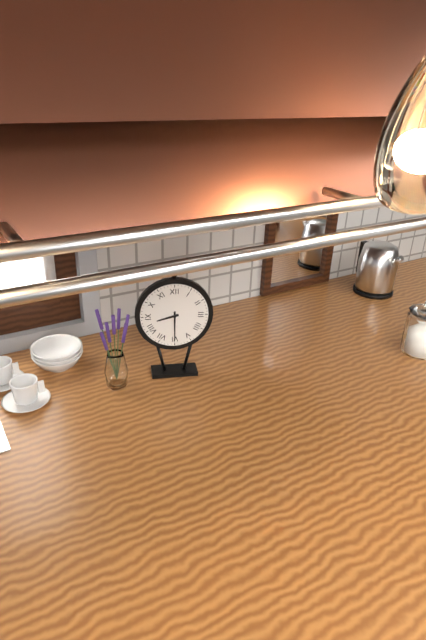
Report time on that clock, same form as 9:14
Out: 8:30
